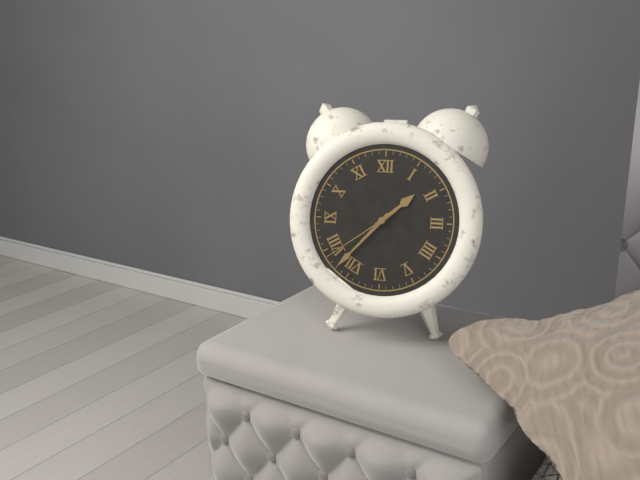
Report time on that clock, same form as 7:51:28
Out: 1:37:39
